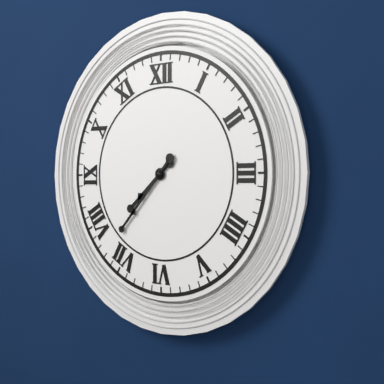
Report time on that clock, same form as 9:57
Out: 7:37
